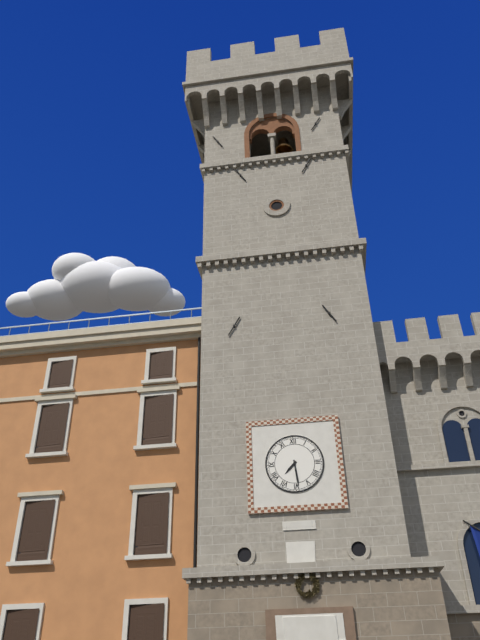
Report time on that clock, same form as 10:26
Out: 7:29
